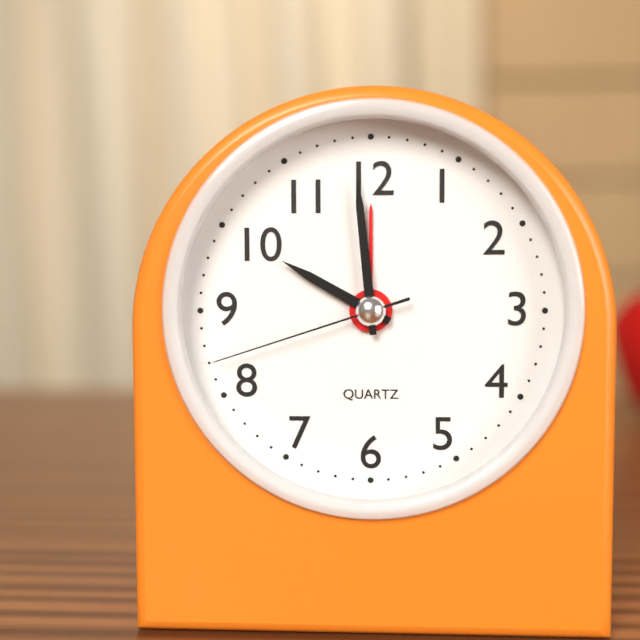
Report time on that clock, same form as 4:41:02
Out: 9:59:42
